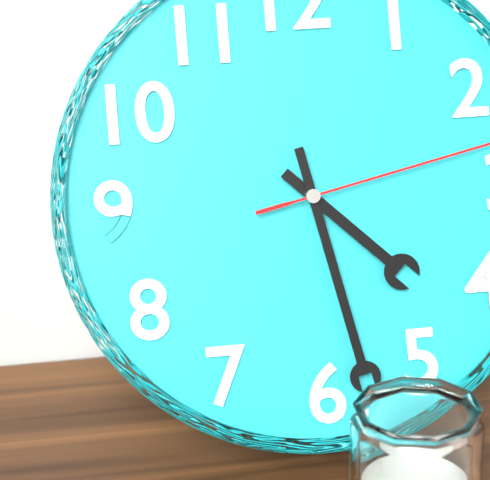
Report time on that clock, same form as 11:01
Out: 4:28
